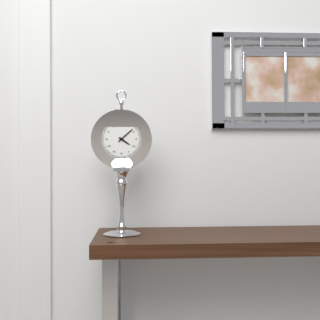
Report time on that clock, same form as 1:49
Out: 4:08
